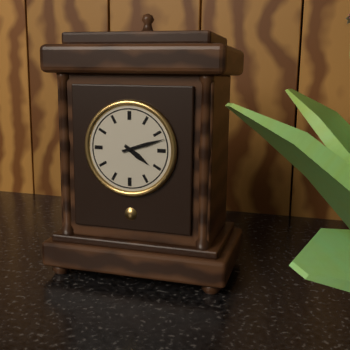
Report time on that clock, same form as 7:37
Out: 4:12
